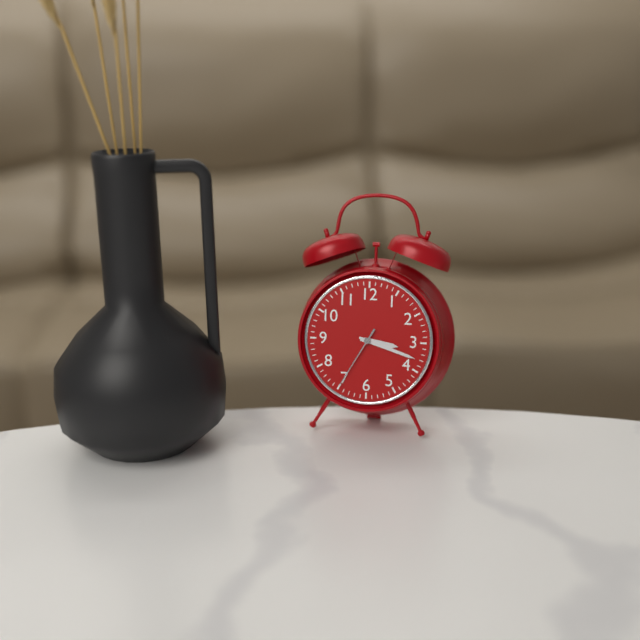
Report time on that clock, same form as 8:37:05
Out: 3:18:35
